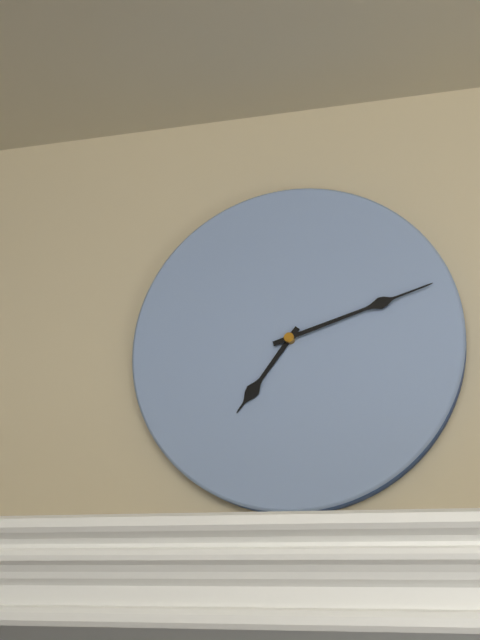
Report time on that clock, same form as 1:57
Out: 7:12
